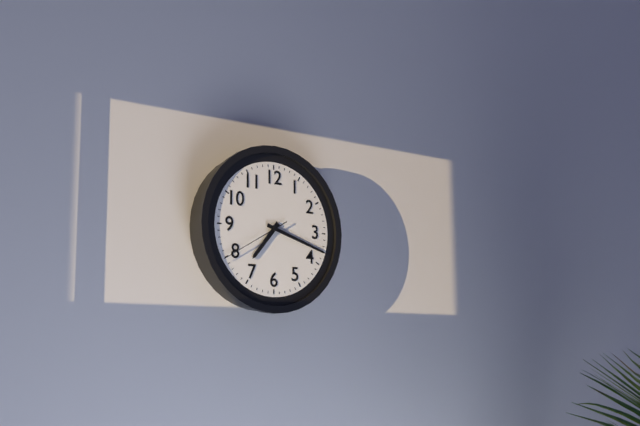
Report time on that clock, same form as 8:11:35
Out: 7:18:40
